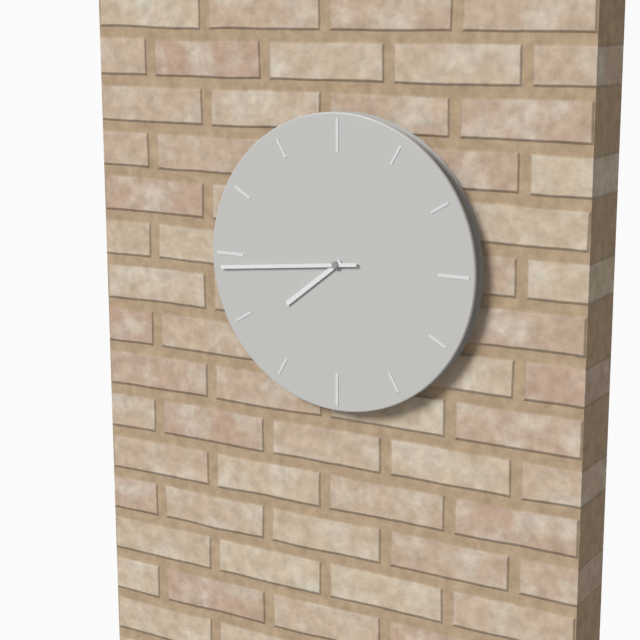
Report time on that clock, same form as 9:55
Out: 7:44
